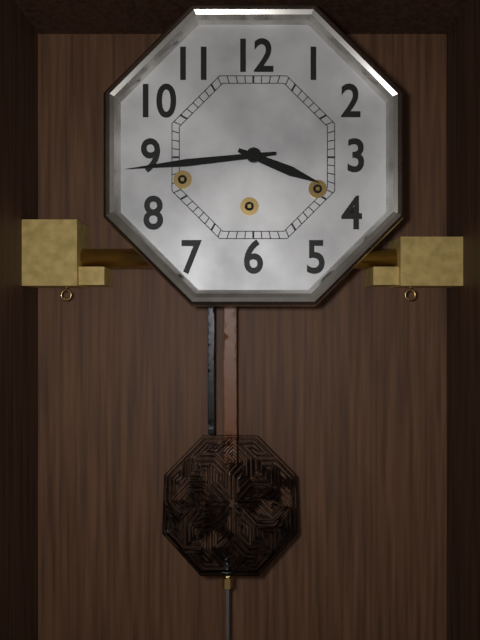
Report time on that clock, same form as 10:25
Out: 3:44
